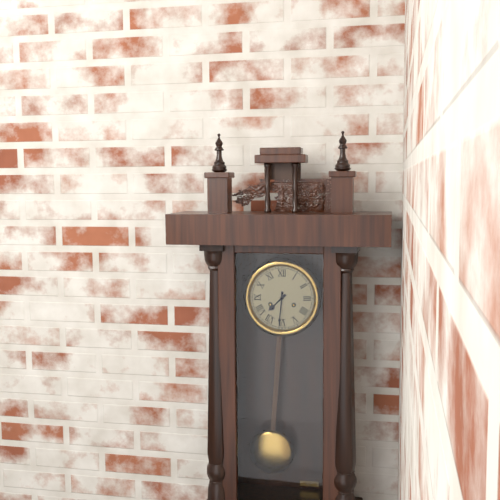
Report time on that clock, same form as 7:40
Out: 7:31
